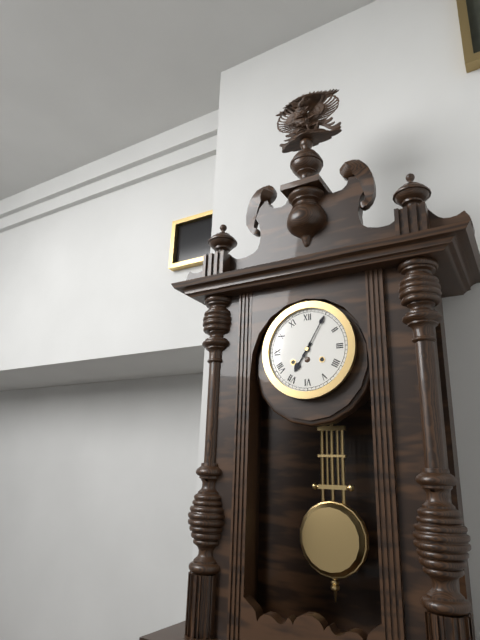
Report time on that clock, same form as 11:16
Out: 7:05
